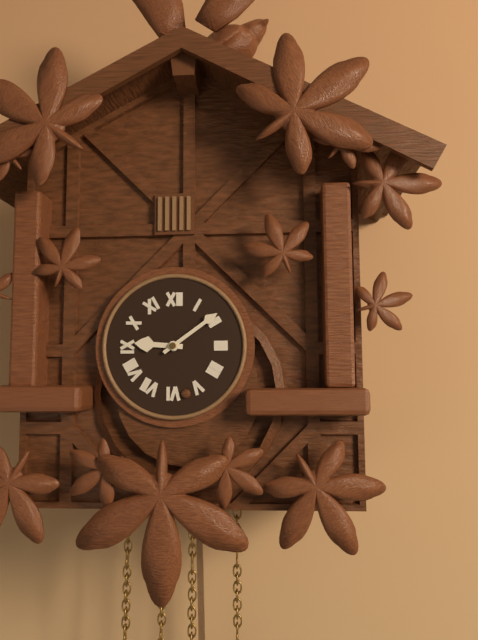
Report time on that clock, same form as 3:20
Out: 9:09
